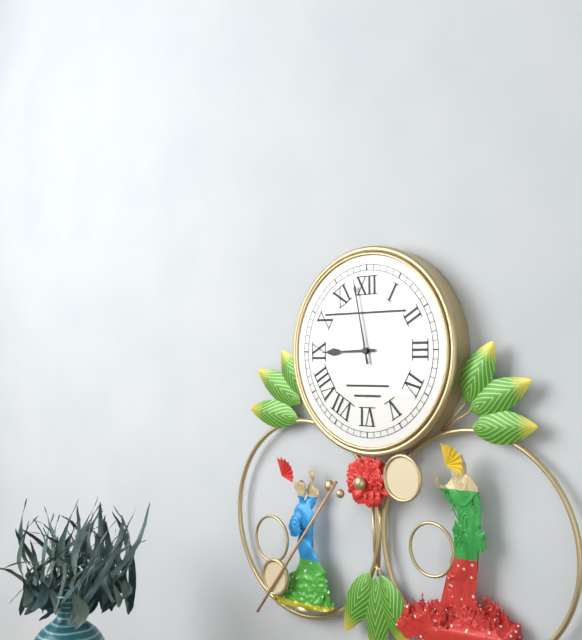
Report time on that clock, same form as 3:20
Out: 8:58
